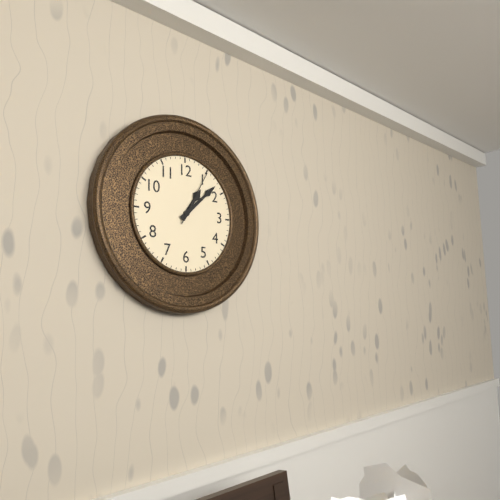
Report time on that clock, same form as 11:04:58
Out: 1:08:05
